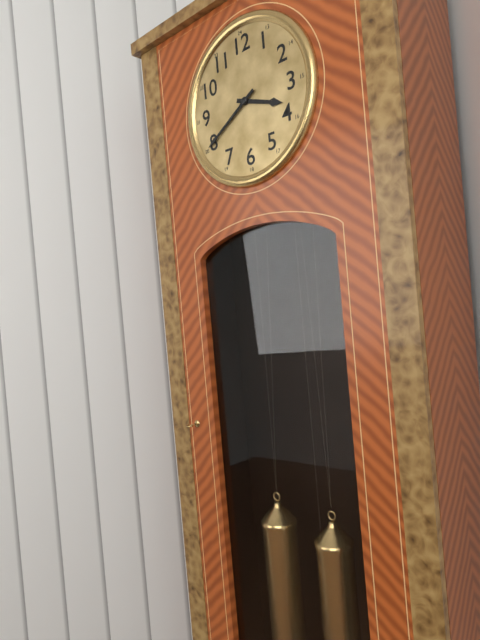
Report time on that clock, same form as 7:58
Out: 3:40
